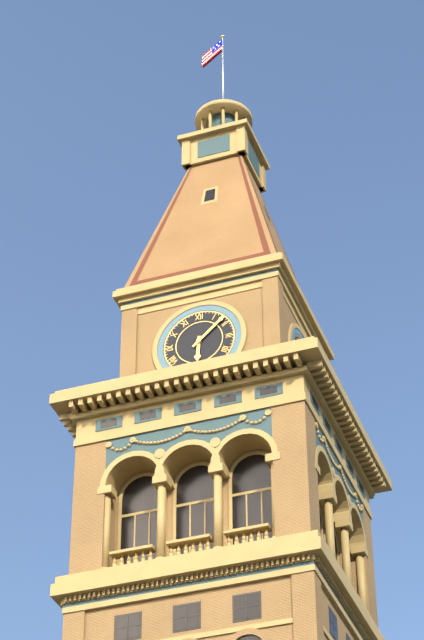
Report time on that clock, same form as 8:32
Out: 6:08
